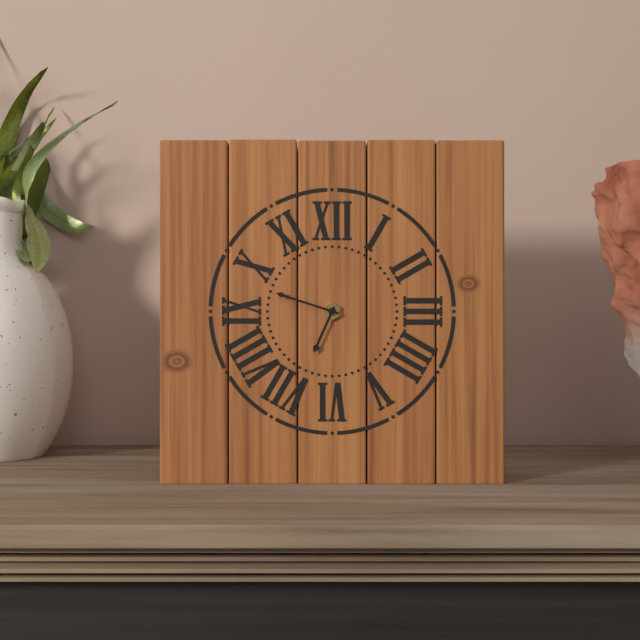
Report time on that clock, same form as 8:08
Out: 6:48
